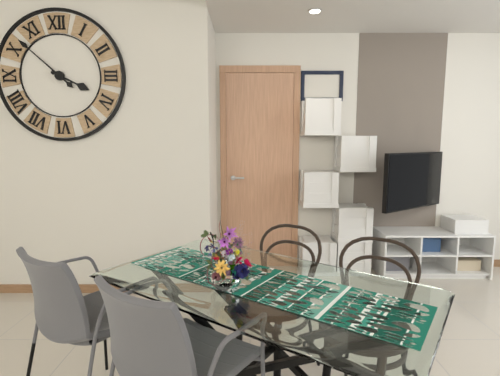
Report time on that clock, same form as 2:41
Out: 3:52
